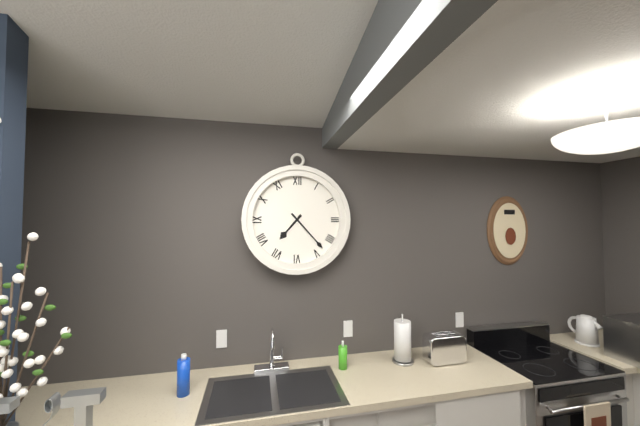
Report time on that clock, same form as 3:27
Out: 7:23
